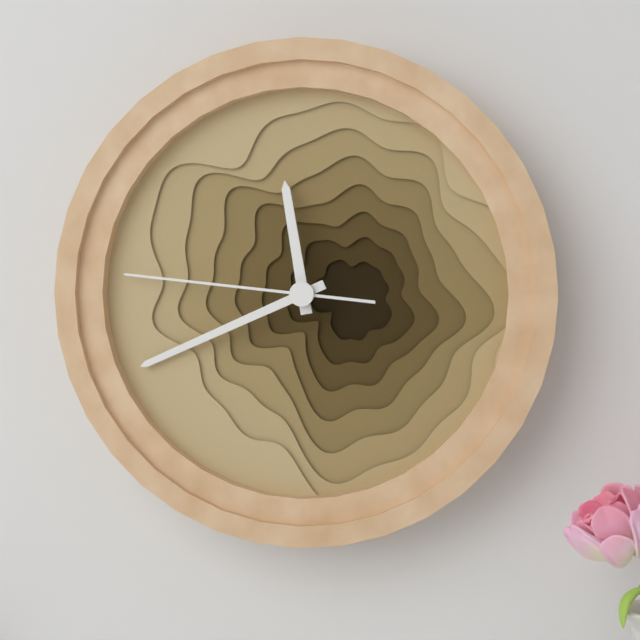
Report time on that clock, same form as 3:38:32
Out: 11:41:46
